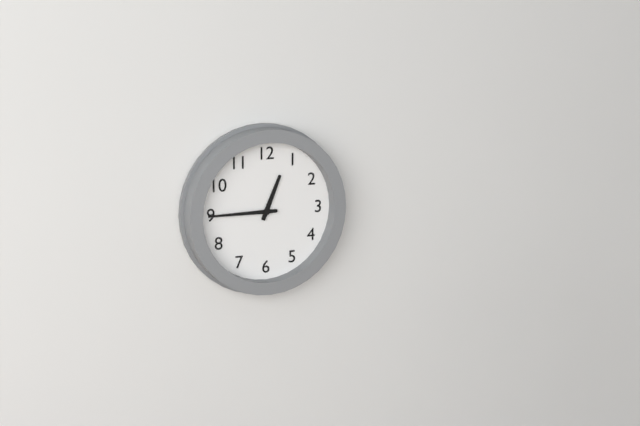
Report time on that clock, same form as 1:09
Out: 12:45
